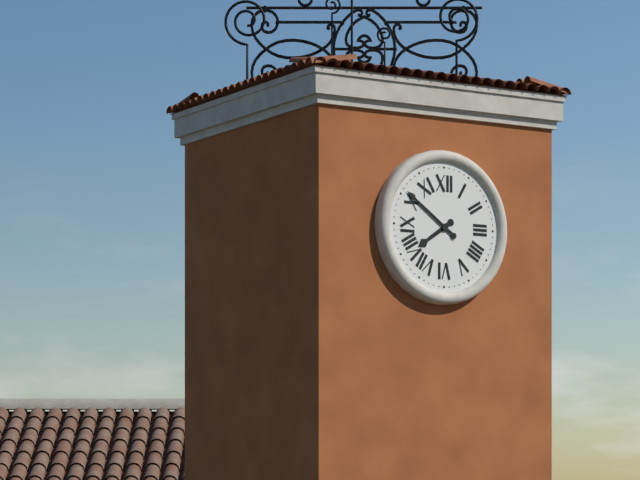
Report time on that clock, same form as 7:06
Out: 7:51
